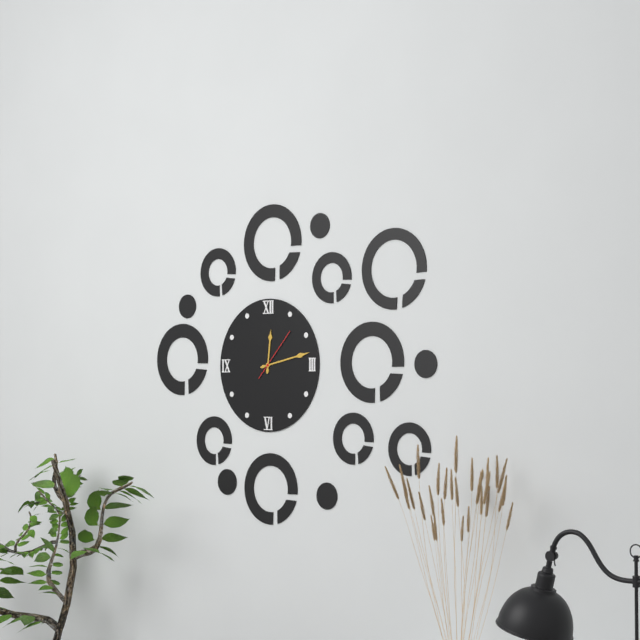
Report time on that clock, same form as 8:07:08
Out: 12:13:07
